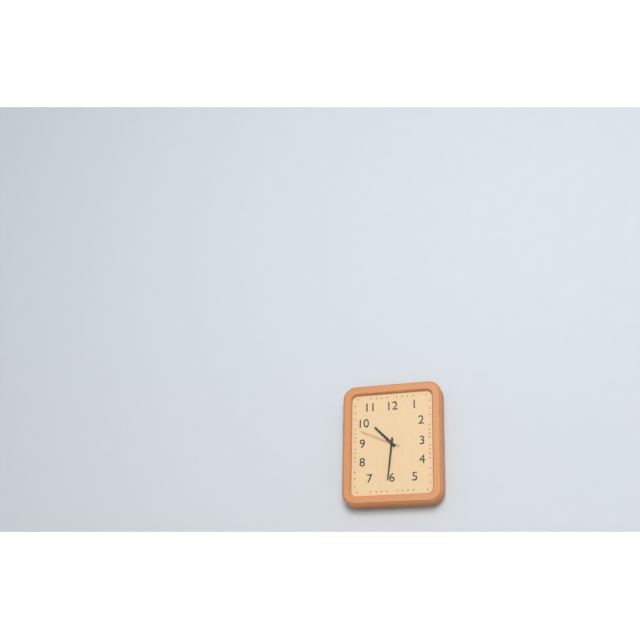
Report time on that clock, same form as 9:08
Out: 10:31
